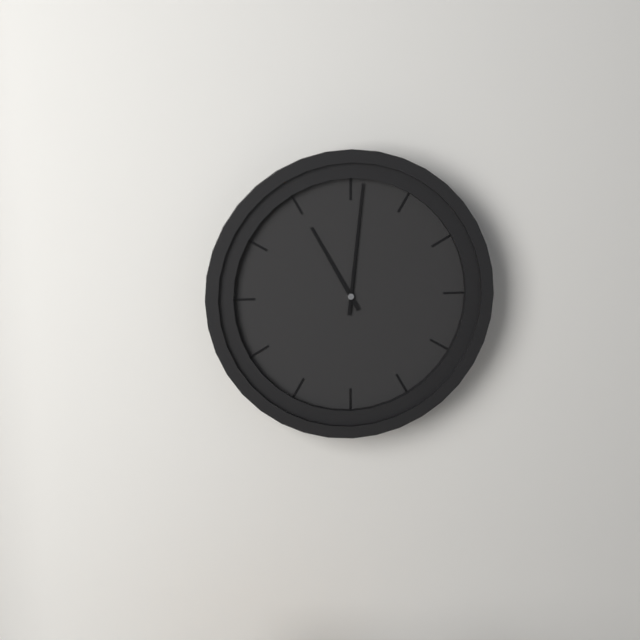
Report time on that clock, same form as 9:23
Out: 11:01
